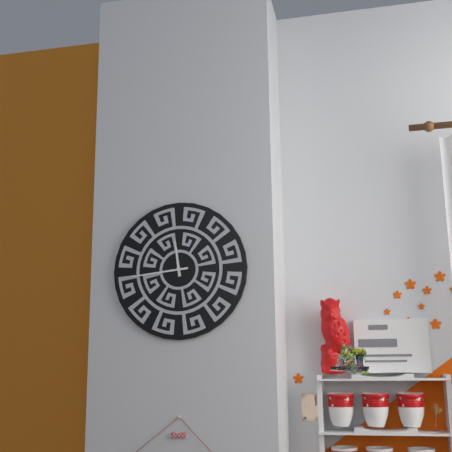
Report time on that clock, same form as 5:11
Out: 11:44
